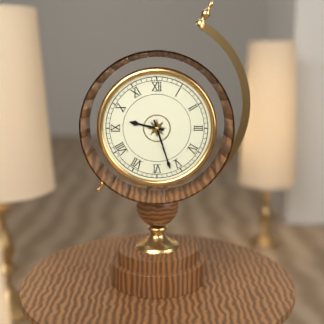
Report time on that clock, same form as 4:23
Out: 9:27
